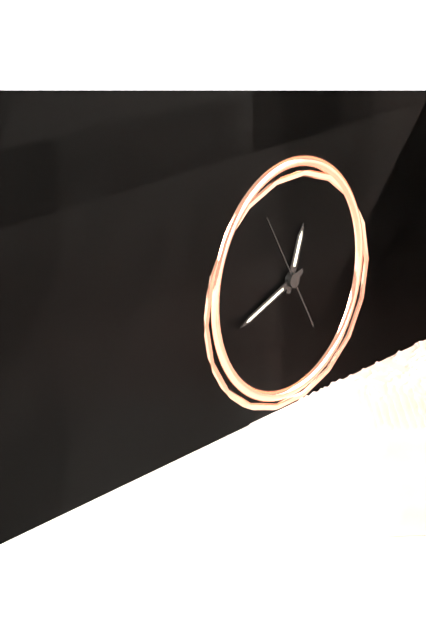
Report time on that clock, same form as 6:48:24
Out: 12:42:55
